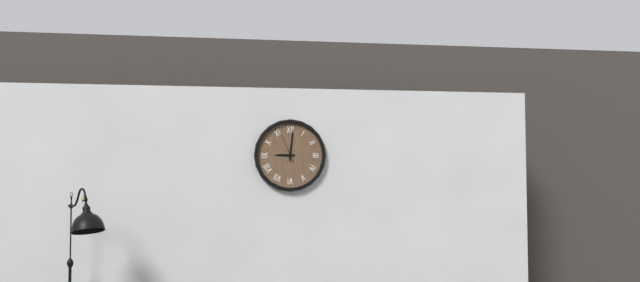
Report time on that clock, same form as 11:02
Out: 9:01
